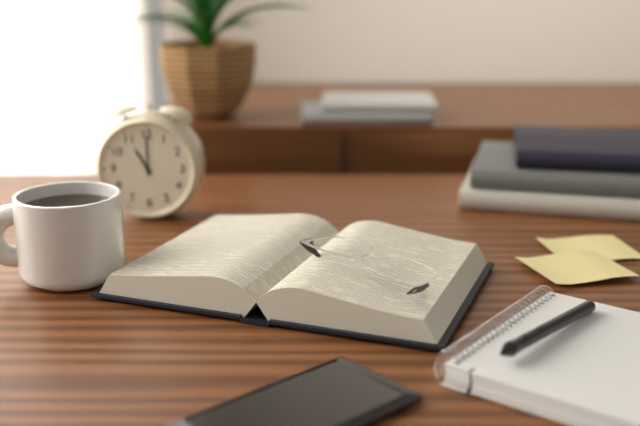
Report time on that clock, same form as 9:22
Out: 11:00
